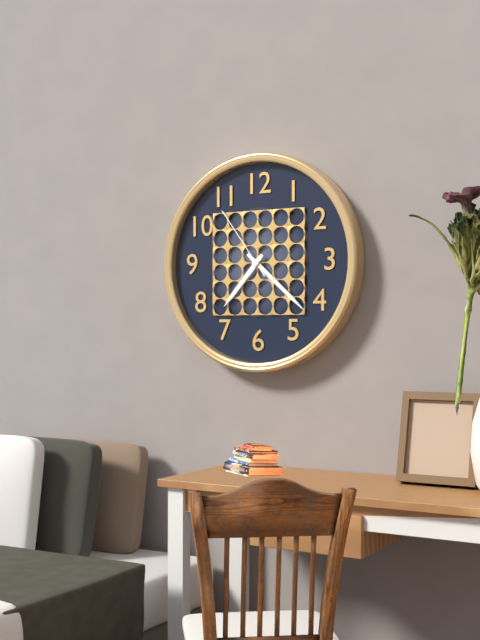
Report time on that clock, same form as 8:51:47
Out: 7:22:54
